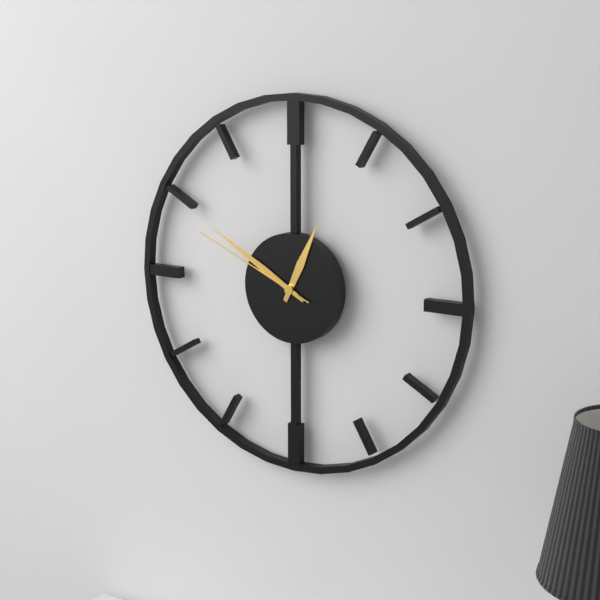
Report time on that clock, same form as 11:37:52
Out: 12:50:49
